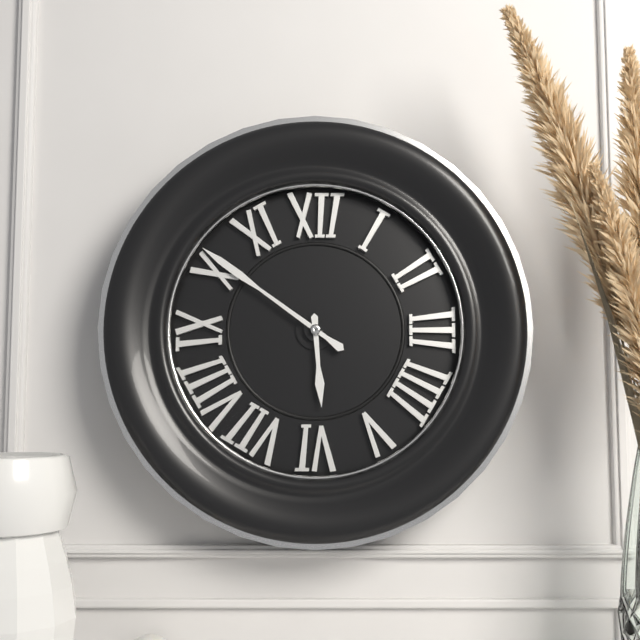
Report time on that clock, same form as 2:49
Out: 5:51
